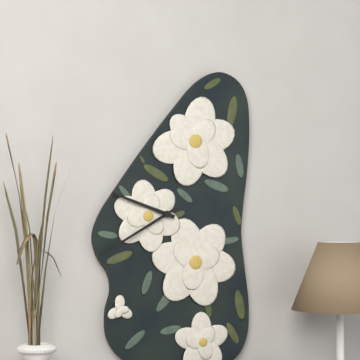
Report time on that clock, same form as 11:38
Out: 9:40
